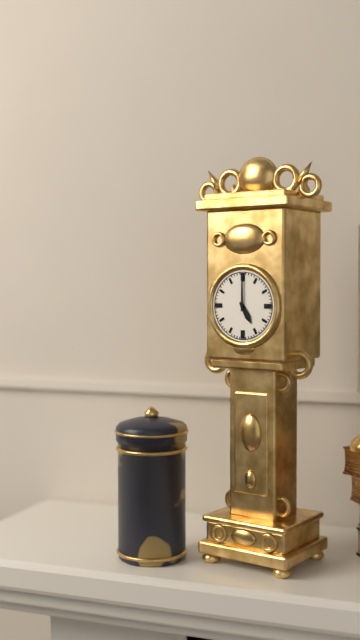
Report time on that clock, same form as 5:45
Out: 5:00
